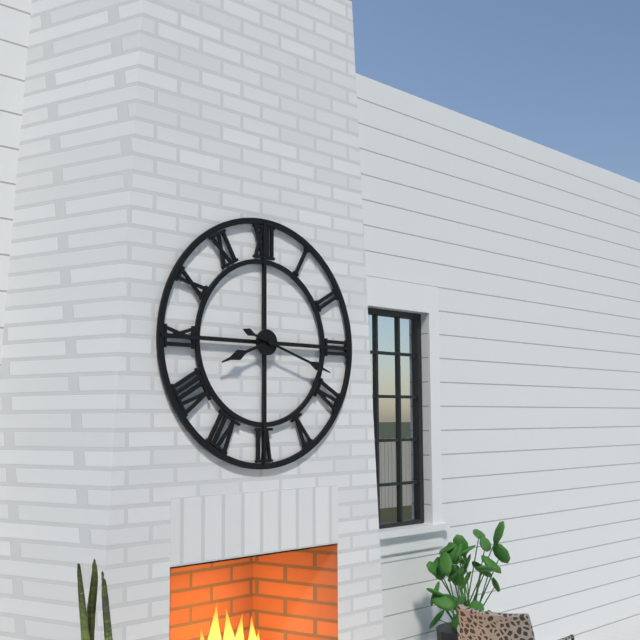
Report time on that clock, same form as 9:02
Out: 8:18
